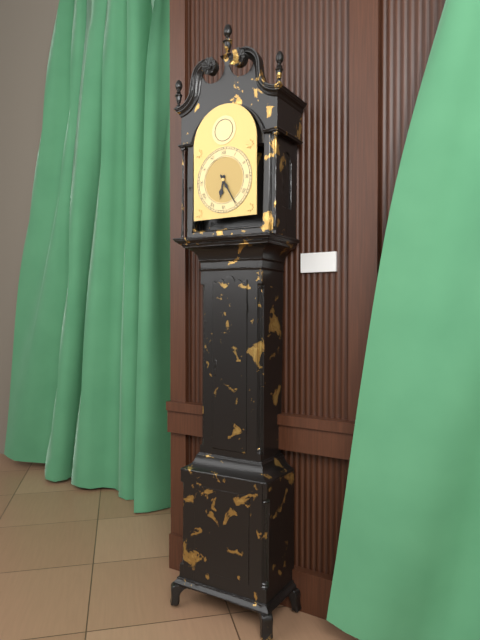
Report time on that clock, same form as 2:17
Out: 6:25
